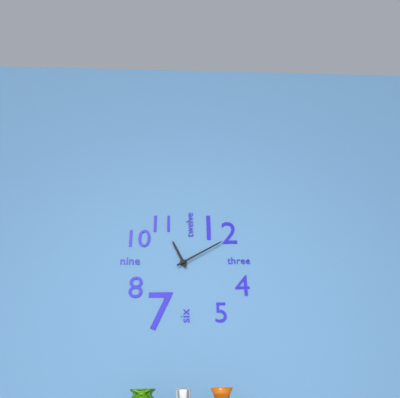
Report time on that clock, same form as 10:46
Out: 11:10
